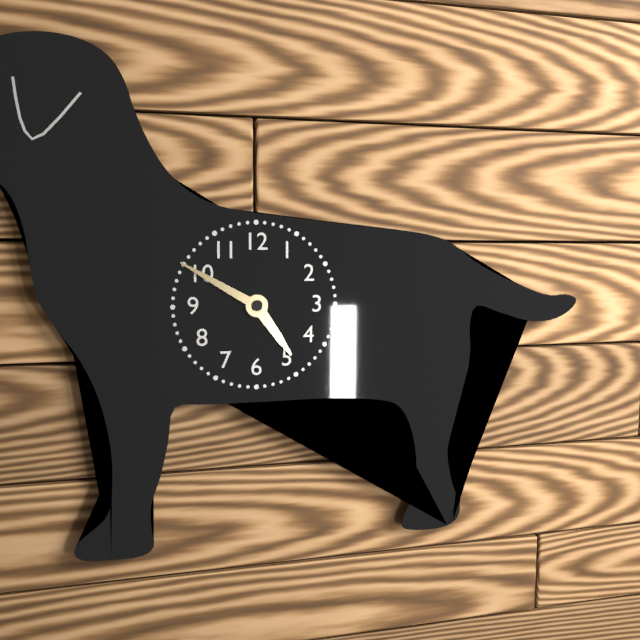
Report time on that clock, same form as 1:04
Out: 4:50
